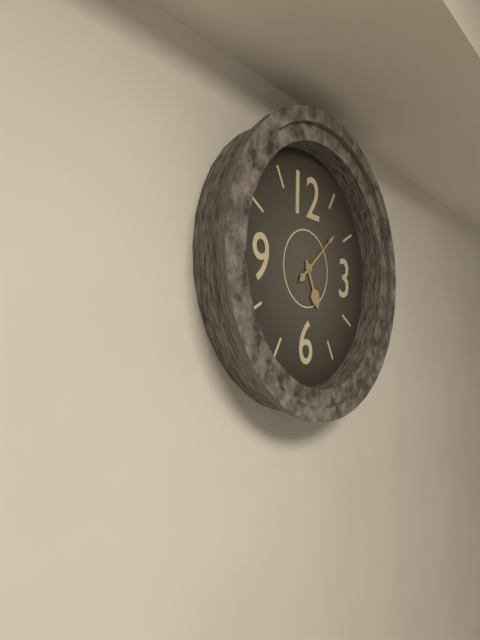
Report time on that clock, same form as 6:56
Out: 5:08
